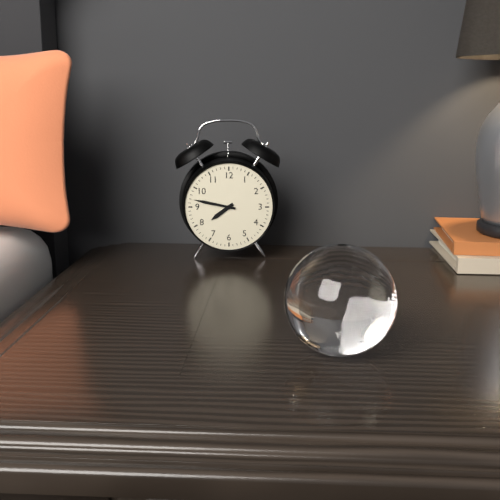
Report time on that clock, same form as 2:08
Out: 7:47
